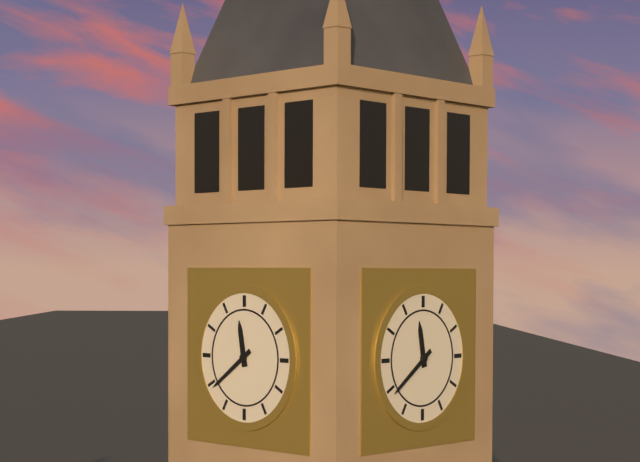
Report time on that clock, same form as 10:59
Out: 11:39
